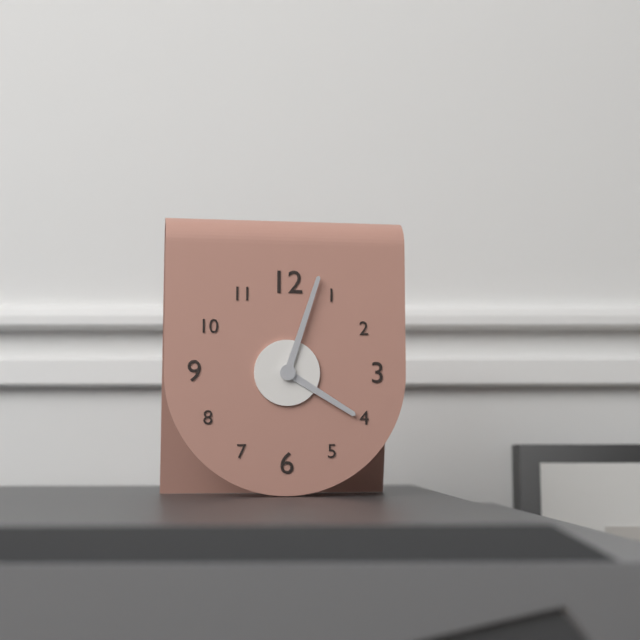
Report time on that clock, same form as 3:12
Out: 4:03
